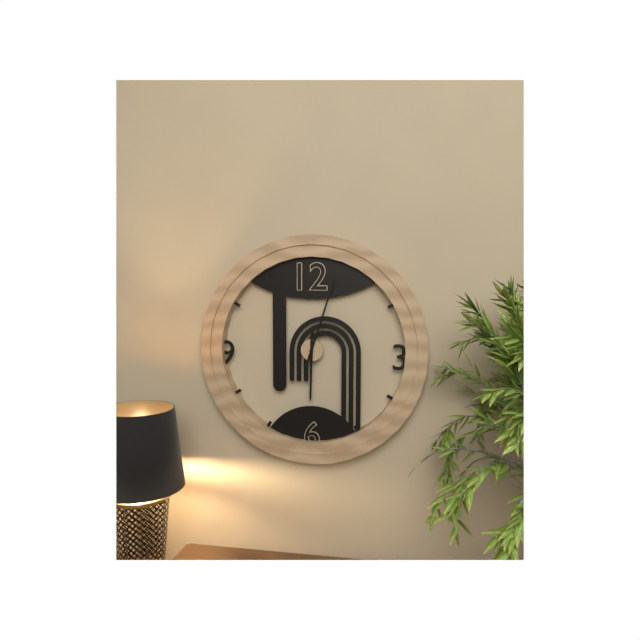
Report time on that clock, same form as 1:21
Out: 6:03
